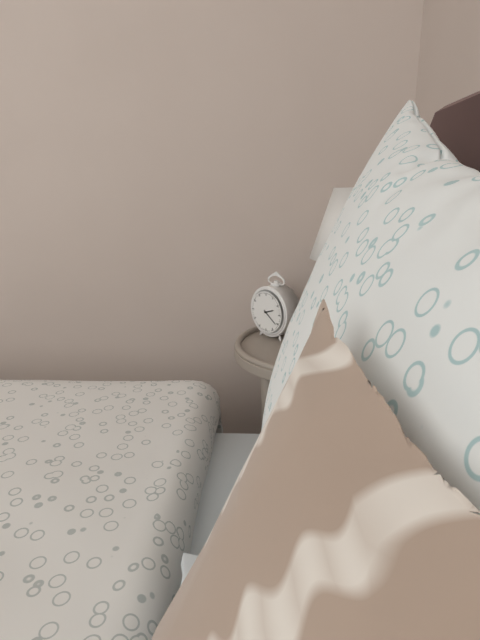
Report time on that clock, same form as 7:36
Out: 2:21
